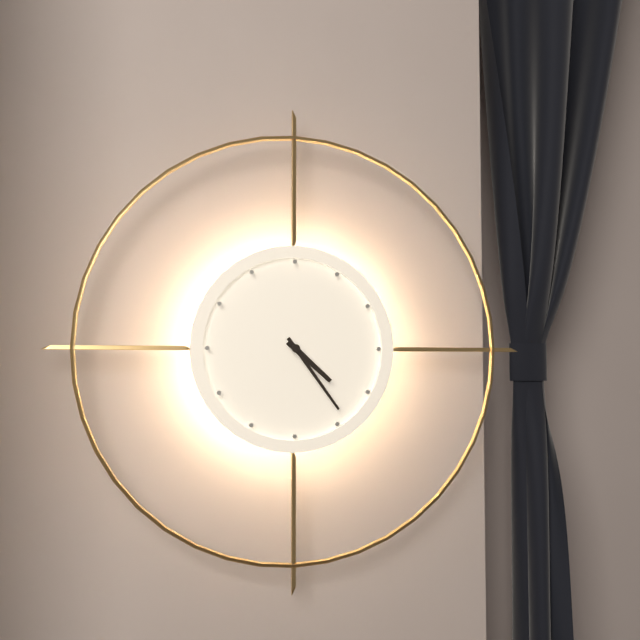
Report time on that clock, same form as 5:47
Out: 4:24
